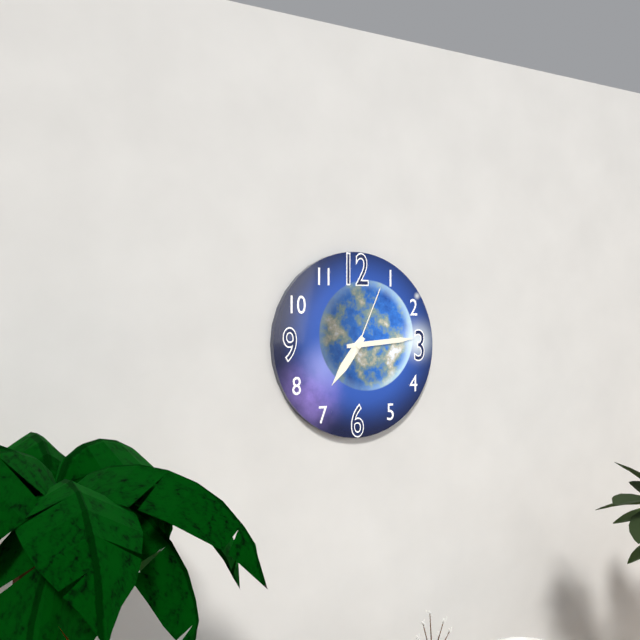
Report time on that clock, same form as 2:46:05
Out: 7:14:04
